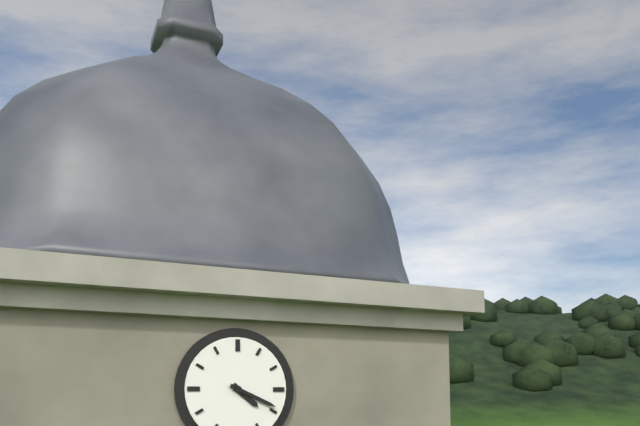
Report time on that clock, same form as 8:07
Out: 4:19
